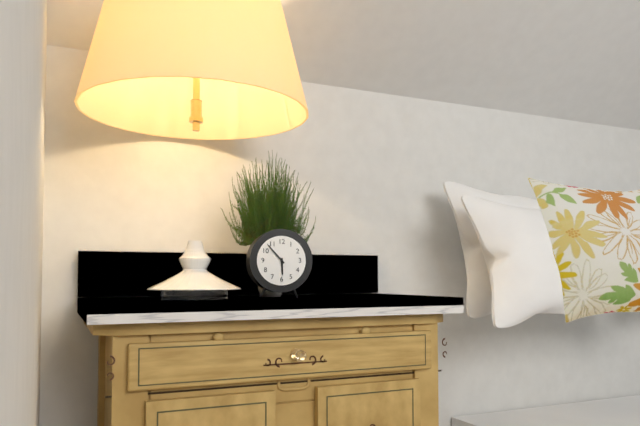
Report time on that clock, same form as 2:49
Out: 5:53
